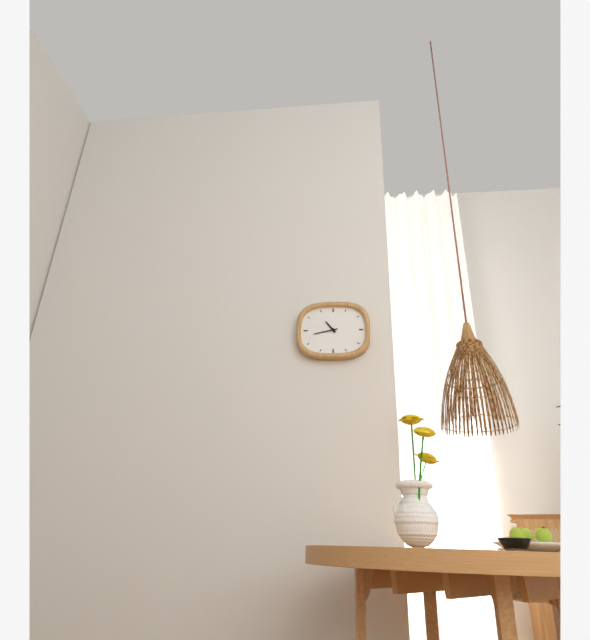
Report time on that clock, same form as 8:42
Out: 10:43
